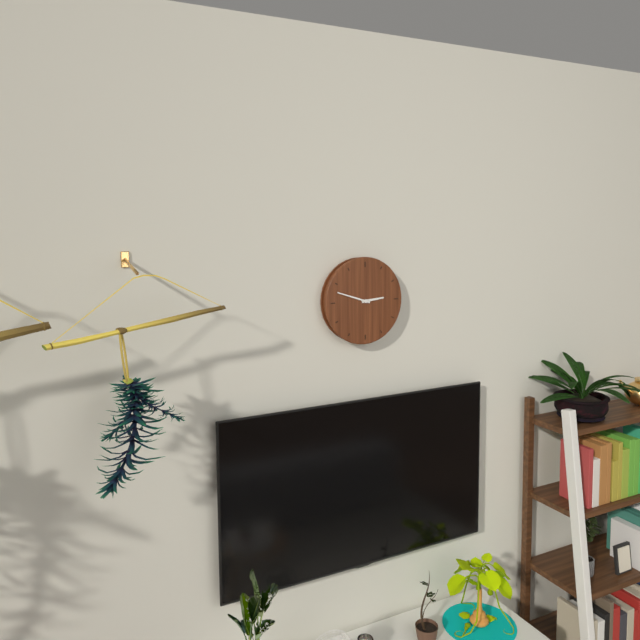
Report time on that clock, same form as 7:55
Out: 2:48
